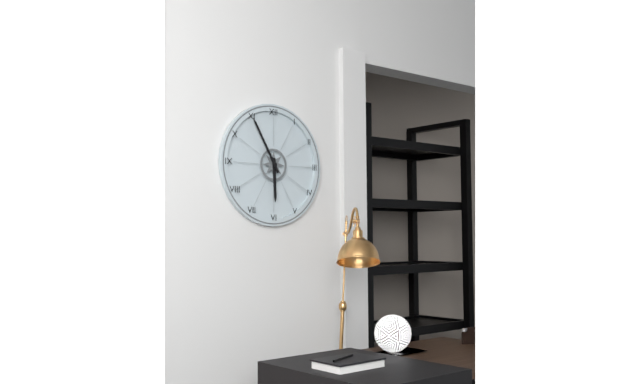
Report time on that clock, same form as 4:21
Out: 5:55
